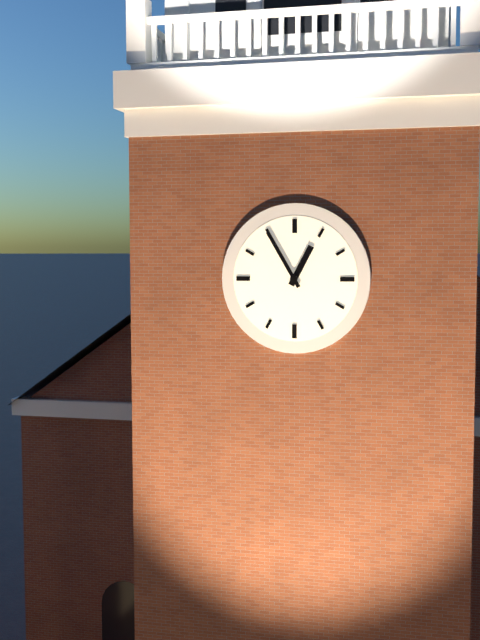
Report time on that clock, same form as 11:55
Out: 12:55
